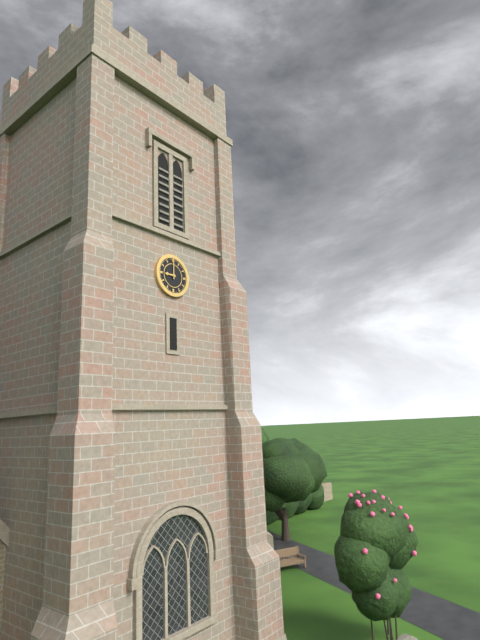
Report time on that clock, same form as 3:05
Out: 9:00
